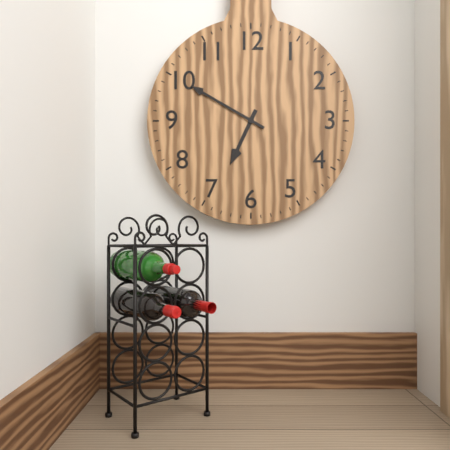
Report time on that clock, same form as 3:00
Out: 6:50
